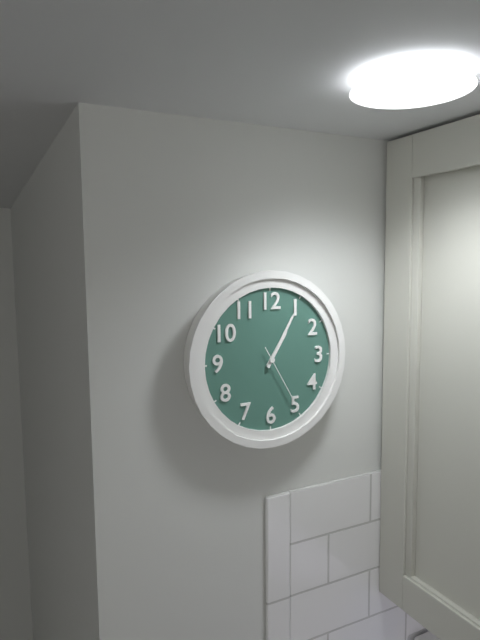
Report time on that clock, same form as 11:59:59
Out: 1:05:25
